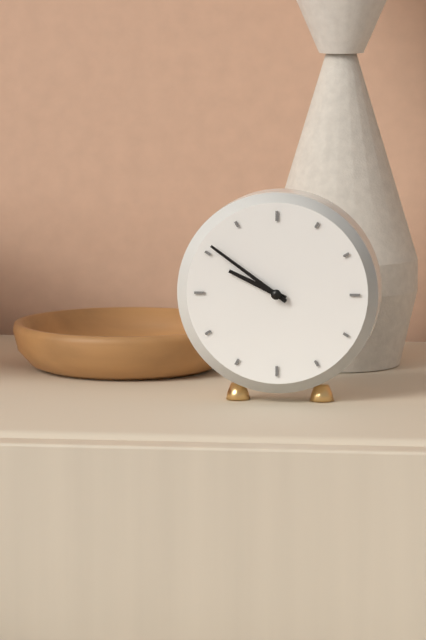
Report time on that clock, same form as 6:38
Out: 9:51
